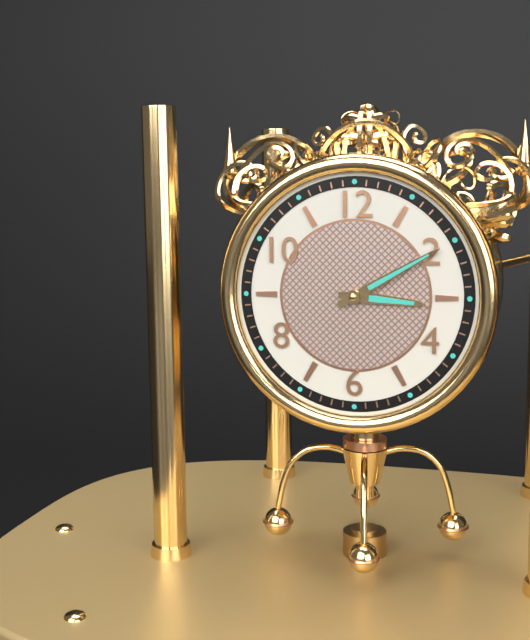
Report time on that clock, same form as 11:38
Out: 3:10
